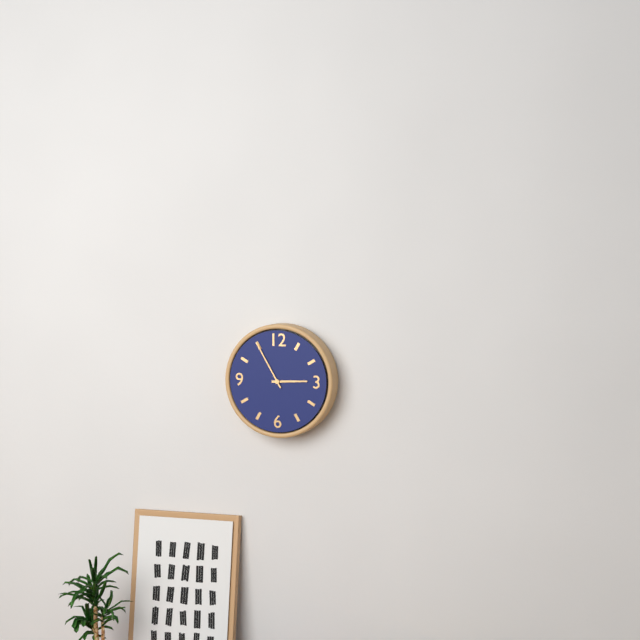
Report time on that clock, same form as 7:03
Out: 2:55
